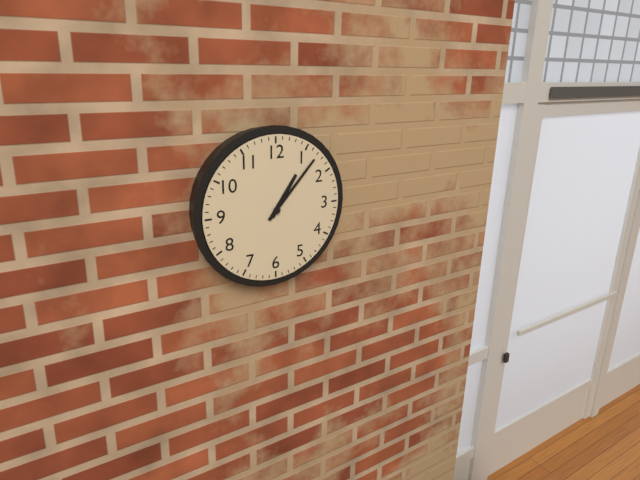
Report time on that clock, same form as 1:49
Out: 1:07
